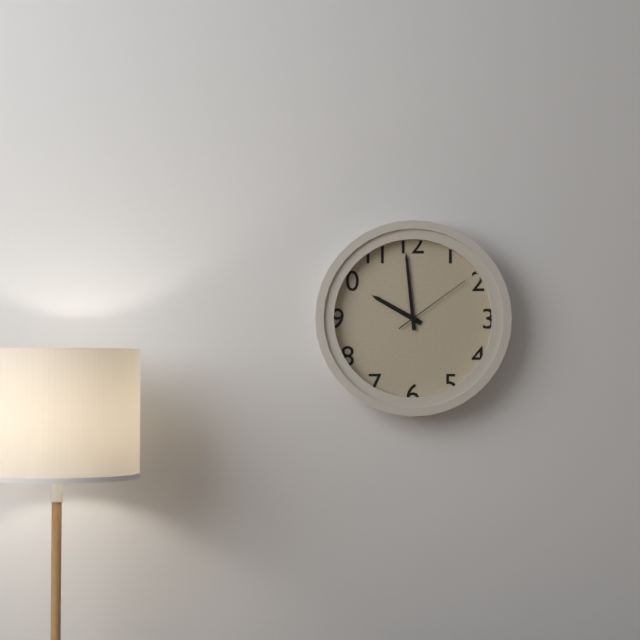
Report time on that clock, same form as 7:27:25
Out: 9:59:09
